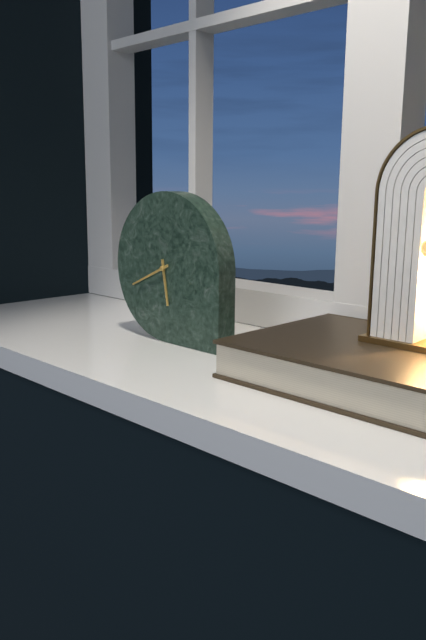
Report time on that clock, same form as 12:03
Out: 5:41
